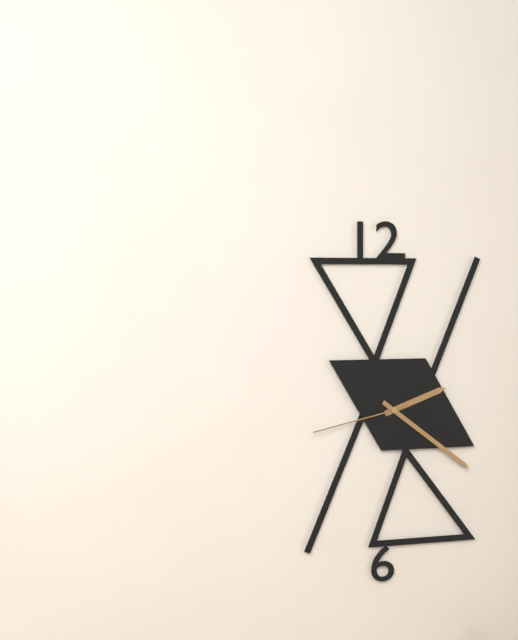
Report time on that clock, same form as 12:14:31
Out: 2:21:43
